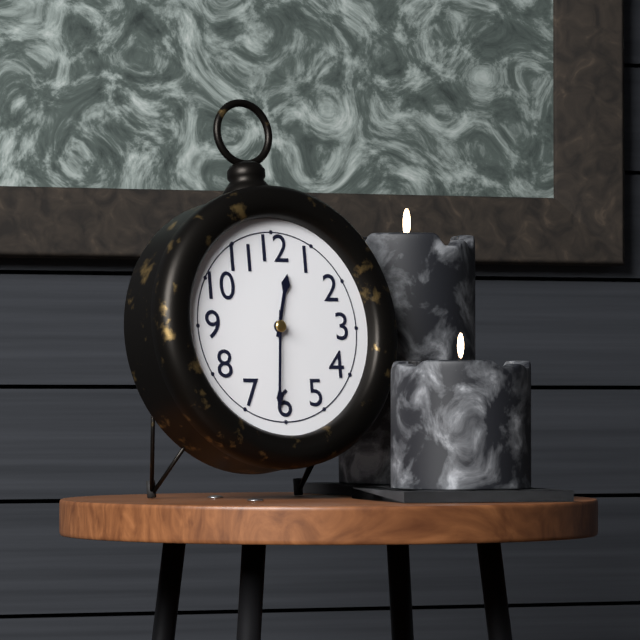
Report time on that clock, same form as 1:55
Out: 12:31
